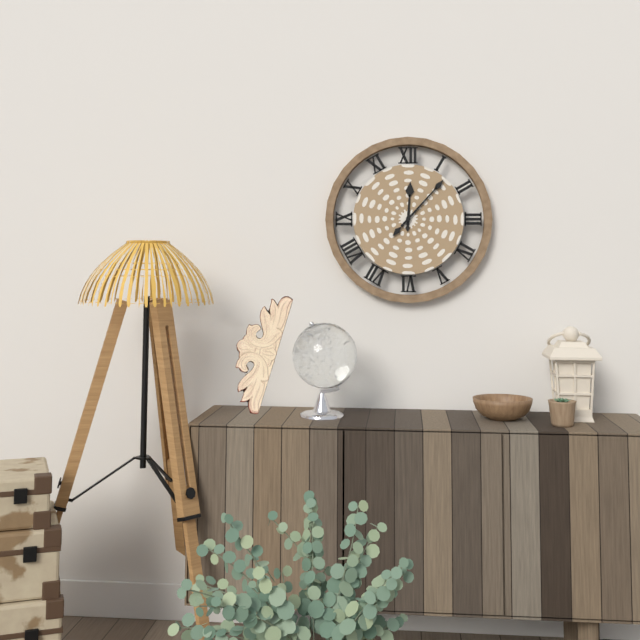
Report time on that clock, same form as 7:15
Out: 12:07
